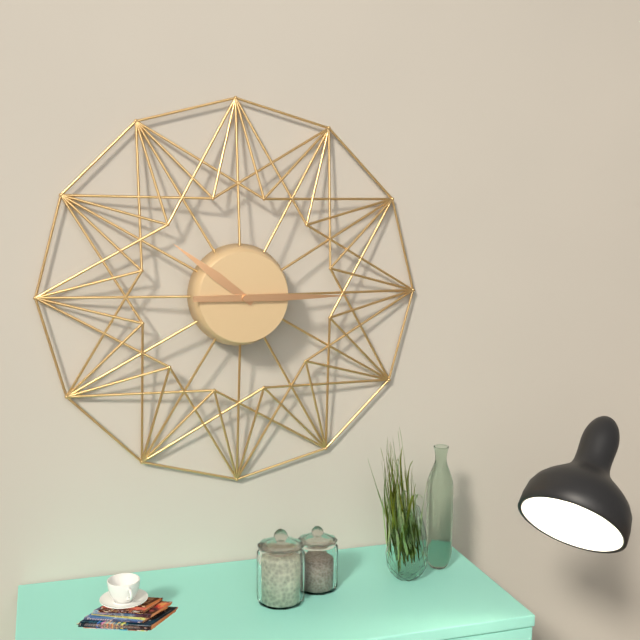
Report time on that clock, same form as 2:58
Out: 10:15
